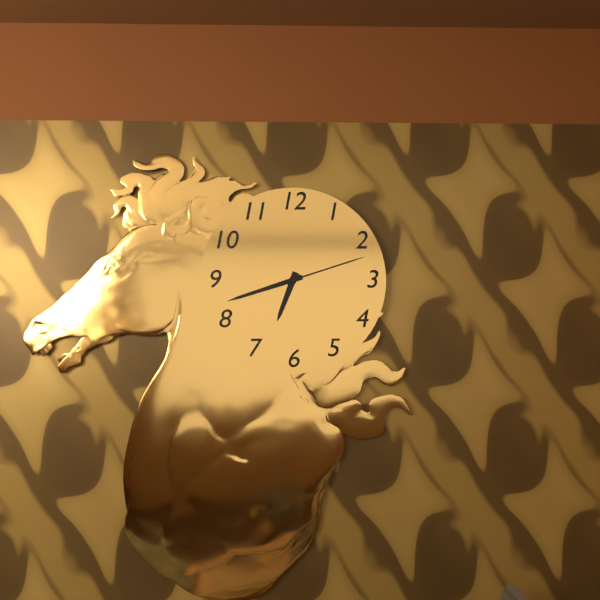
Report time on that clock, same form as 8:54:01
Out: 6:42:12
